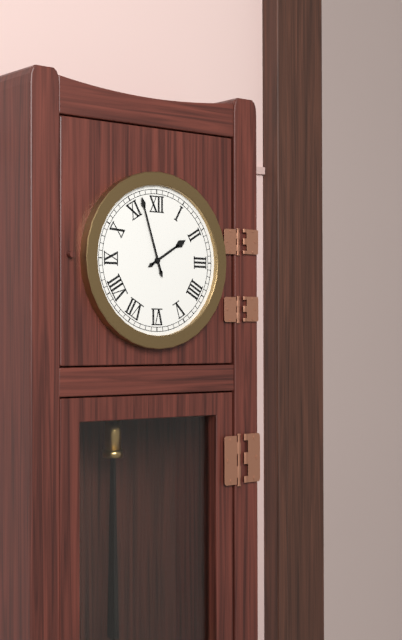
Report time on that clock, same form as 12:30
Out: 1:57
